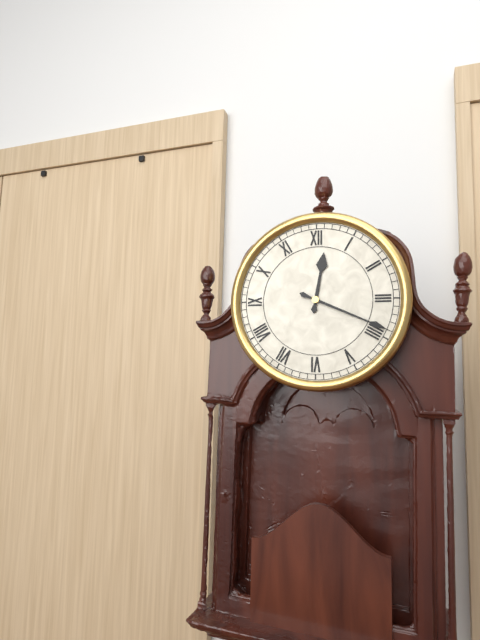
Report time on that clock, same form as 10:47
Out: 12:19
